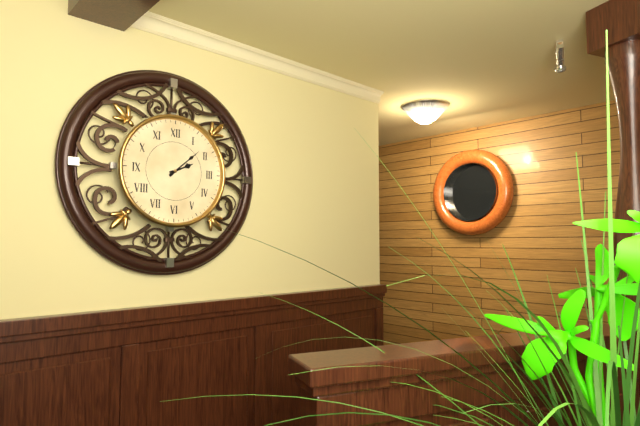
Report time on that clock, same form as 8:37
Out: 2:08
